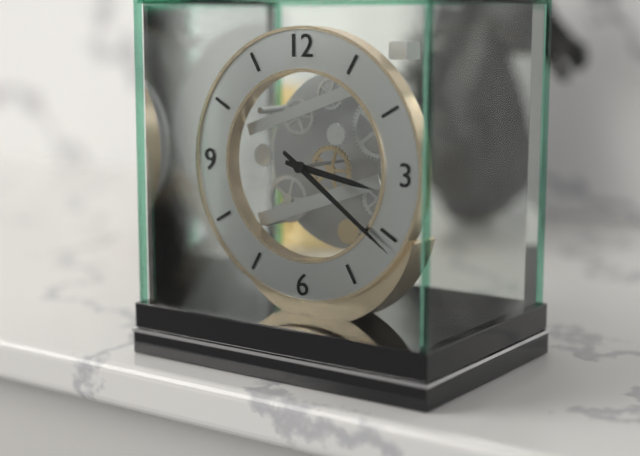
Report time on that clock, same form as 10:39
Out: 3:21
